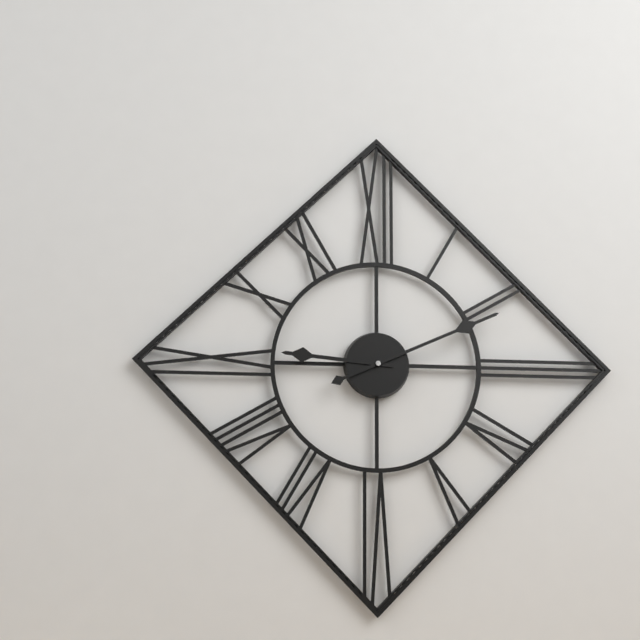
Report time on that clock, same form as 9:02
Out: 9:11
